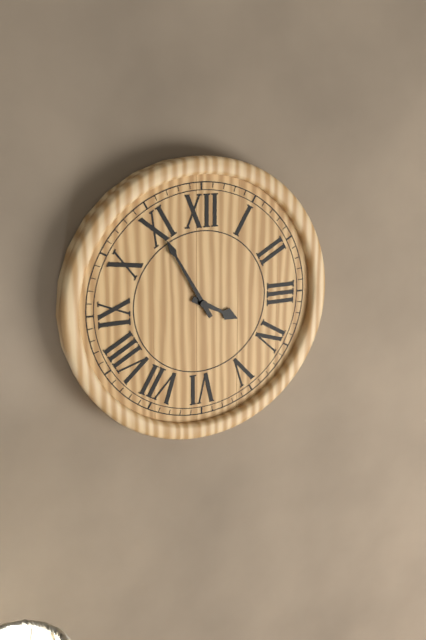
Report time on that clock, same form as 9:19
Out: 3:55
